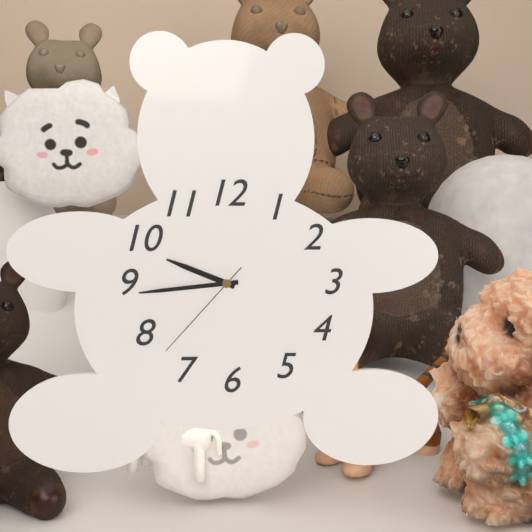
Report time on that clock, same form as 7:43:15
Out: 9:44:37
